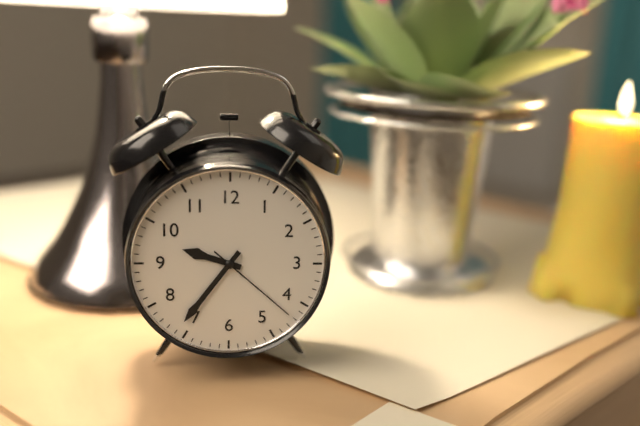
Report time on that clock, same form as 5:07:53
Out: 9:36:22
